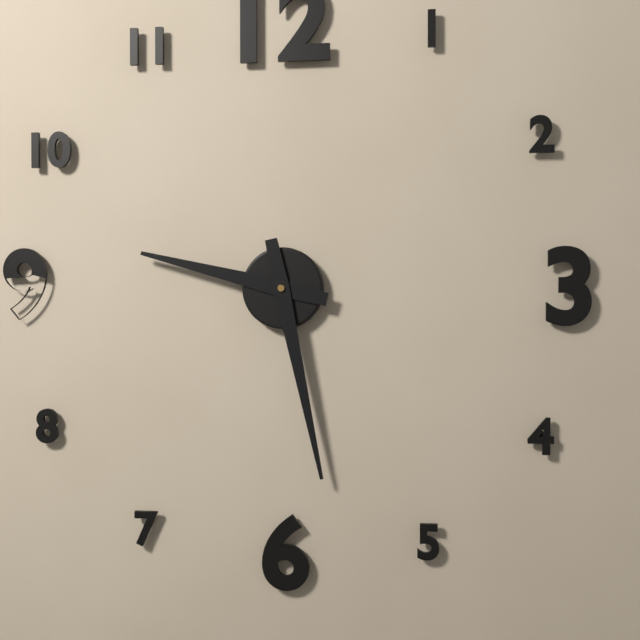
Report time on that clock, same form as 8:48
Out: 9:28
